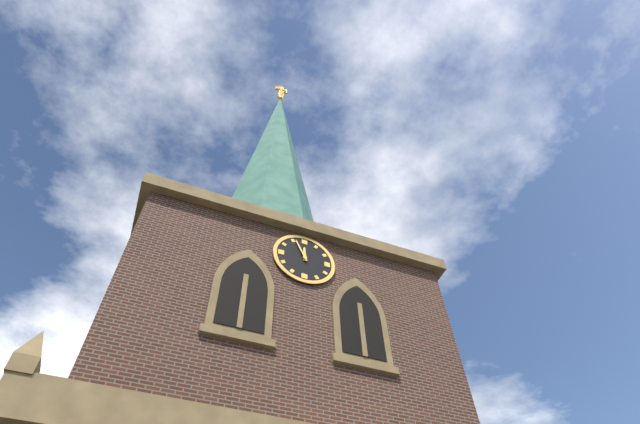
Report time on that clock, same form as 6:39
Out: 11:56
